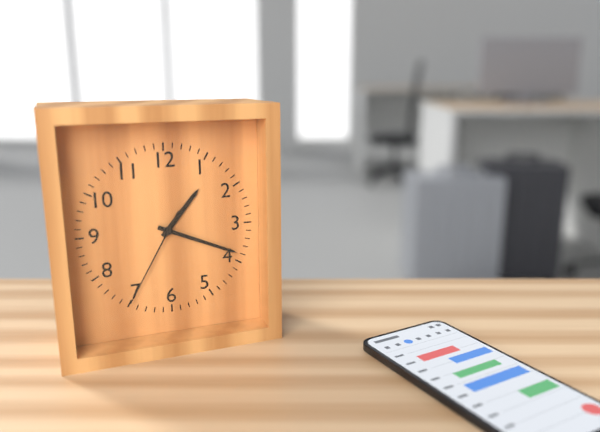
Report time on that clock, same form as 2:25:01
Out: 1:19:35
